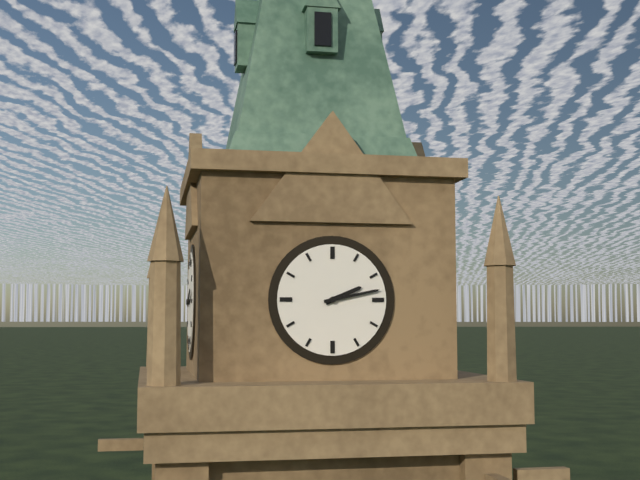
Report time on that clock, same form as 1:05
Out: 2:13
